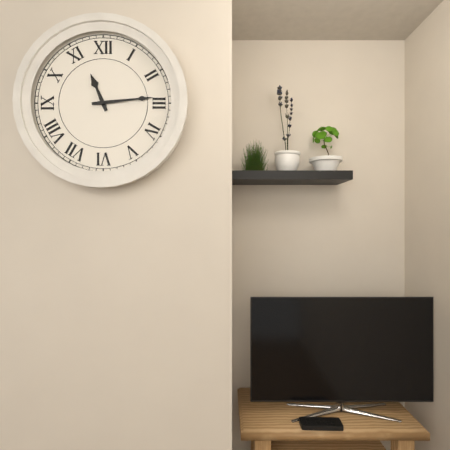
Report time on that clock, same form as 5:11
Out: 11:14
